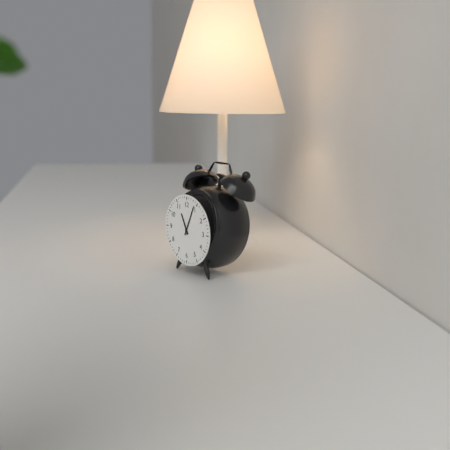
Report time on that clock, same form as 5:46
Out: 11:04
